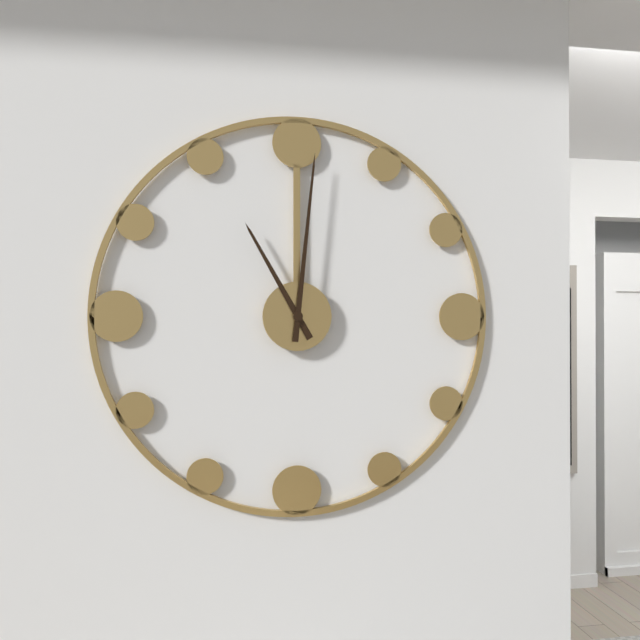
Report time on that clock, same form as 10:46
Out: 11:01
